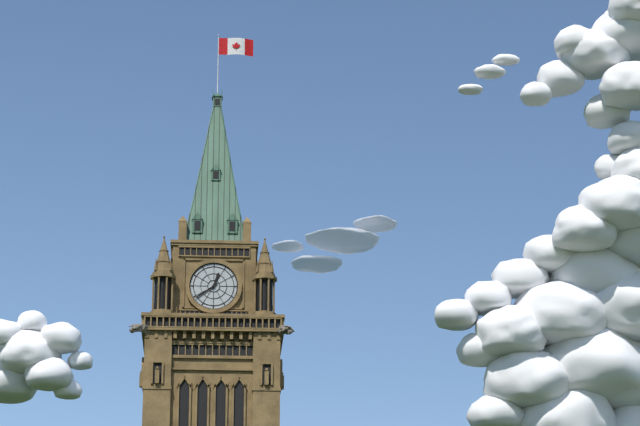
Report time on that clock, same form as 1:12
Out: 12:39
